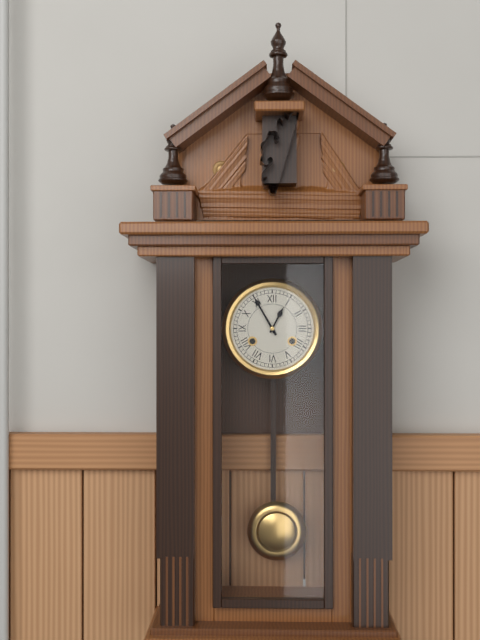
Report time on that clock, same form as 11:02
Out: 12:55
